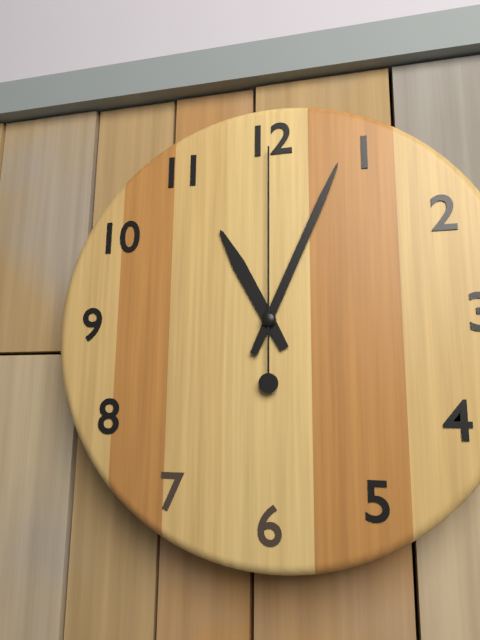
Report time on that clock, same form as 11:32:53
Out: 11:04:00
